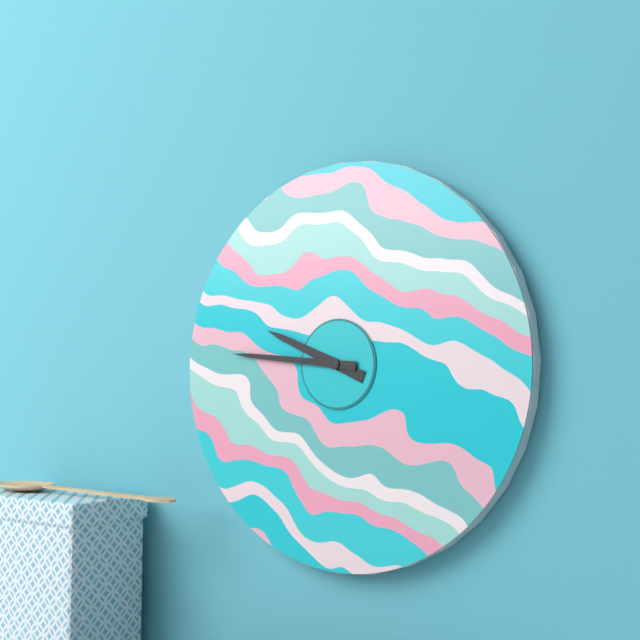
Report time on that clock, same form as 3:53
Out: 9:46
